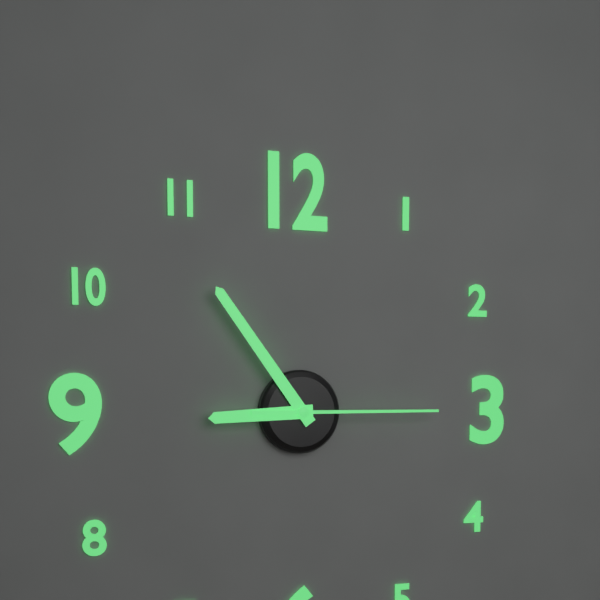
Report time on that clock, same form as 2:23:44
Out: 8:54:15
